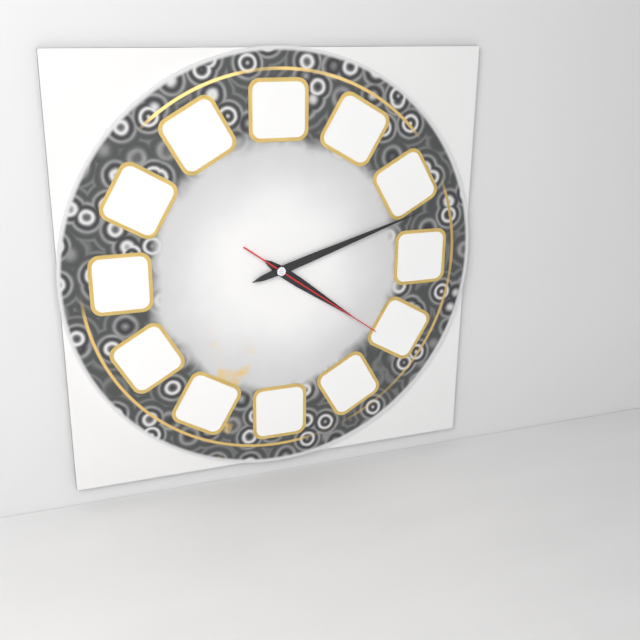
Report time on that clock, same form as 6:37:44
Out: 4:12:21
